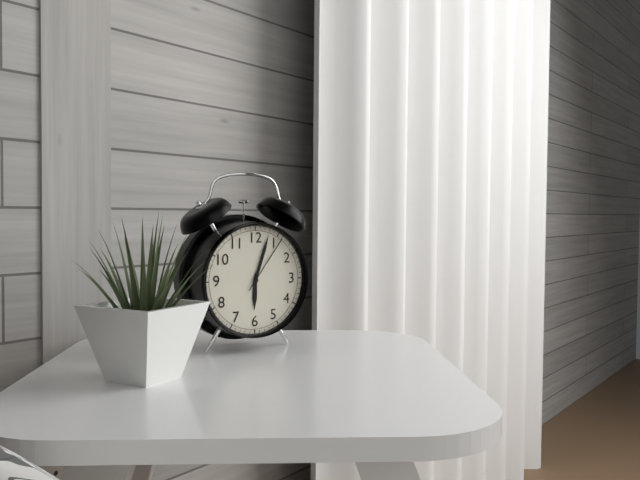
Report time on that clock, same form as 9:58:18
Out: 6:03:06
